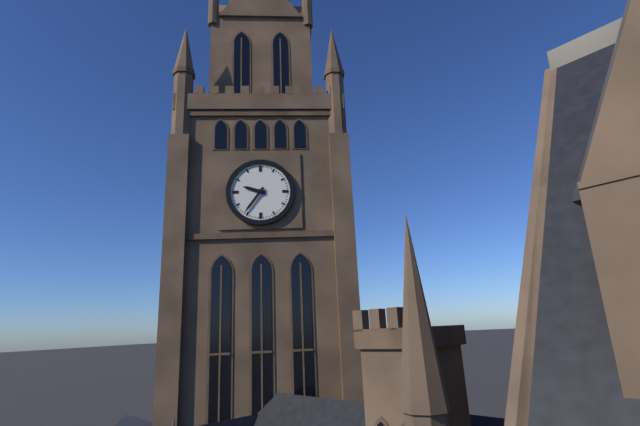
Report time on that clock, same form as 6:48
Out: 9:36
